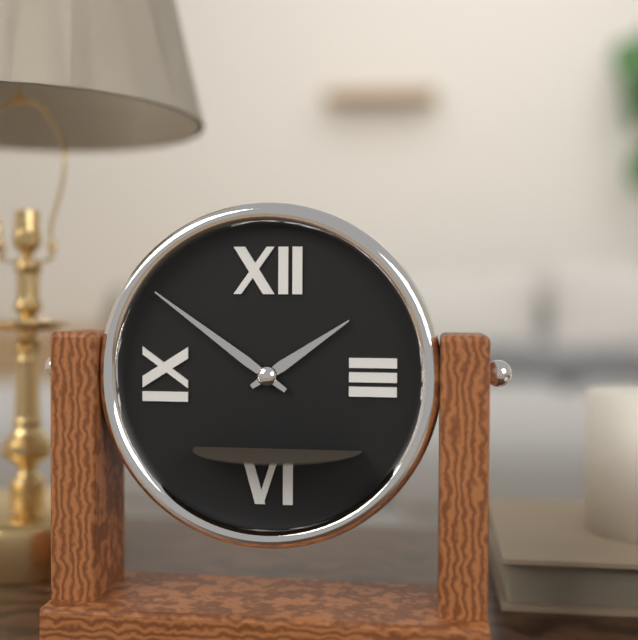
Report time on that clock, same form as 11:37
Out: 1:51
